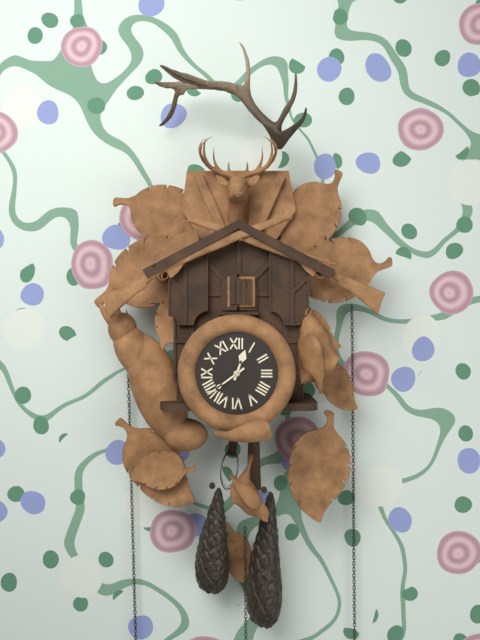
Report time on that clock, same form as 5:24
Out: 12:39
